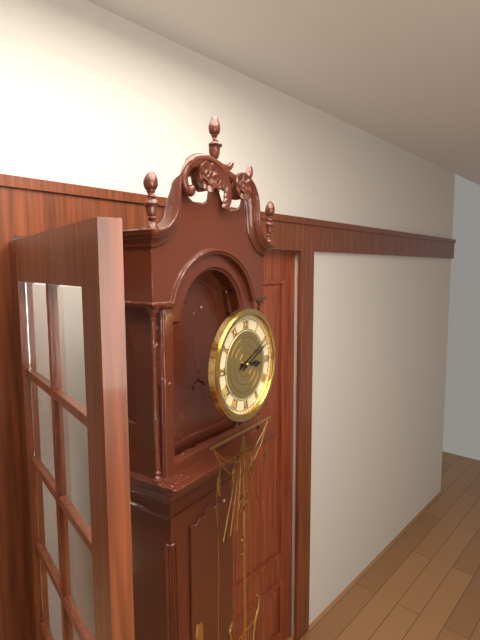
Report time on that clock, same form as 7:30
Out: 3:11
